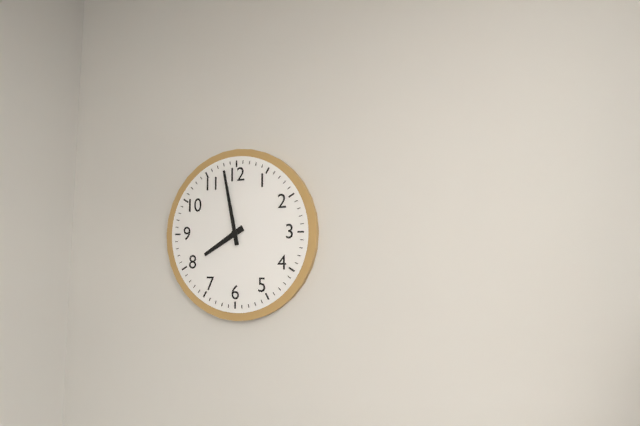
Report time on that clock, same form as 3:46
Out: 7:58
